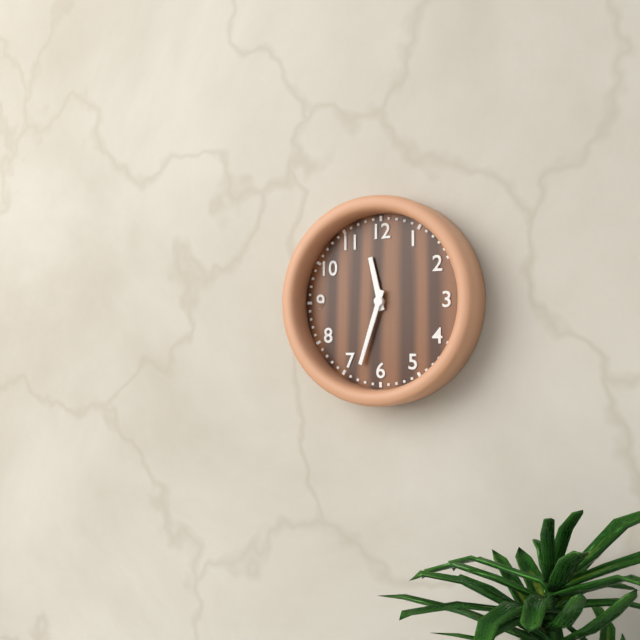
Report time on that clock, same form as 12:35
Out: 11:33
